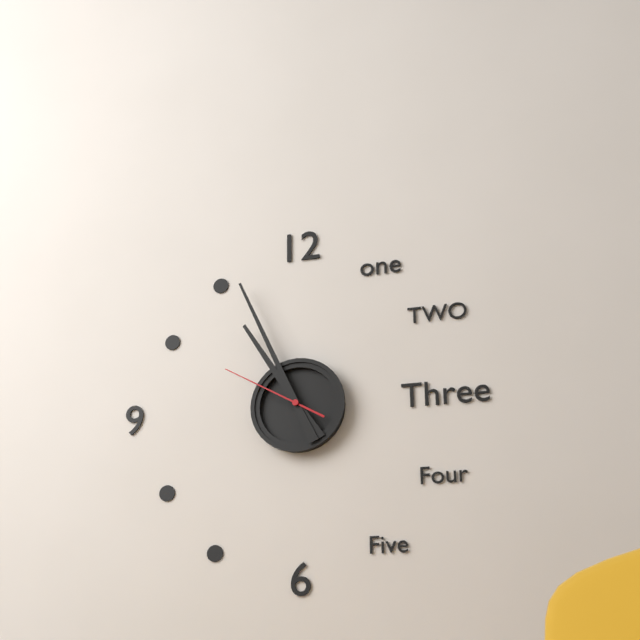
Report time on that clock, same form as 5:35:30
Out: 10:56:50
